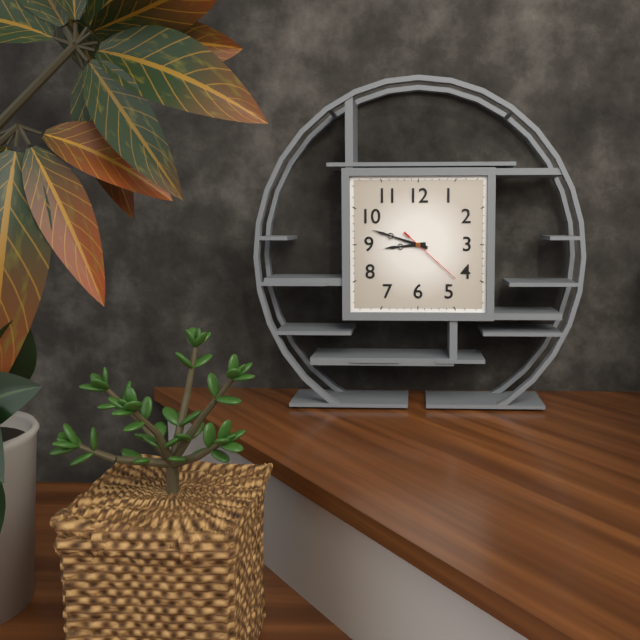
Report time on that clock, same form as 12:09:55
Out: 8:48:22
